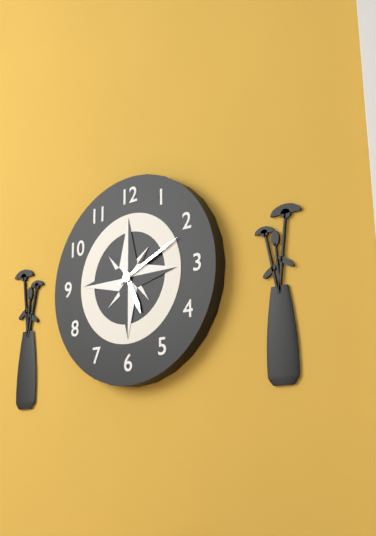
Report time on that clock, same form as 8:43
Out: 5:11
